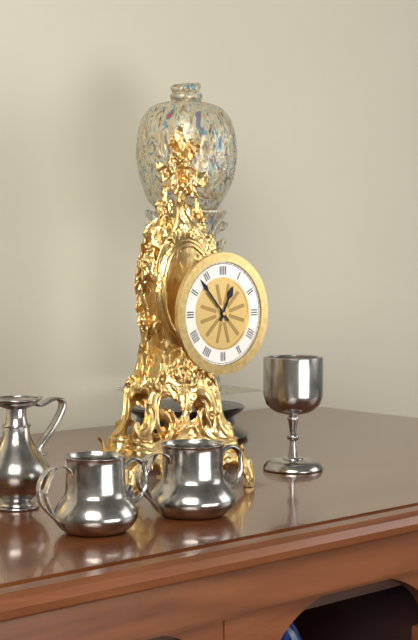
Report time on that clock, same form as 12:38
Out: 12:53
